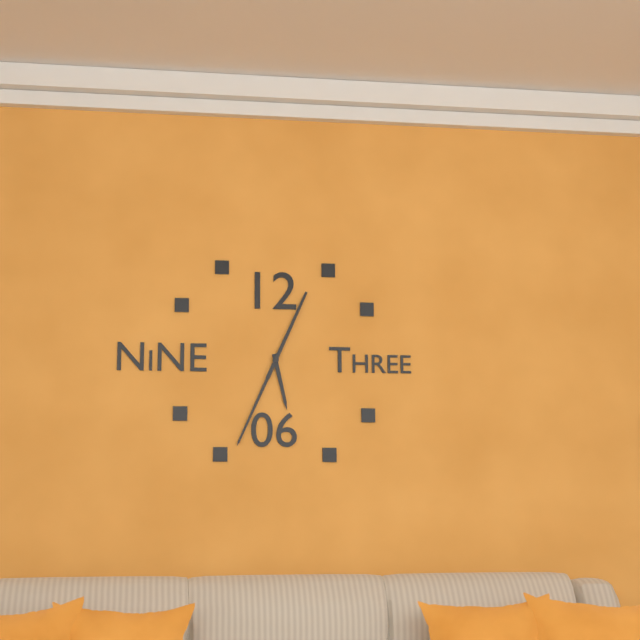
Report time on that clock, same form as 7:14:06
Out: 5:34:04
